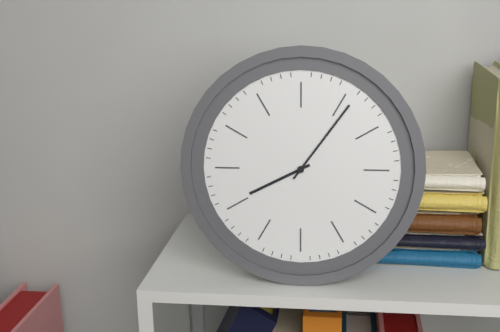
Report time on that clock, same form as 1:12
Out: 8:06
